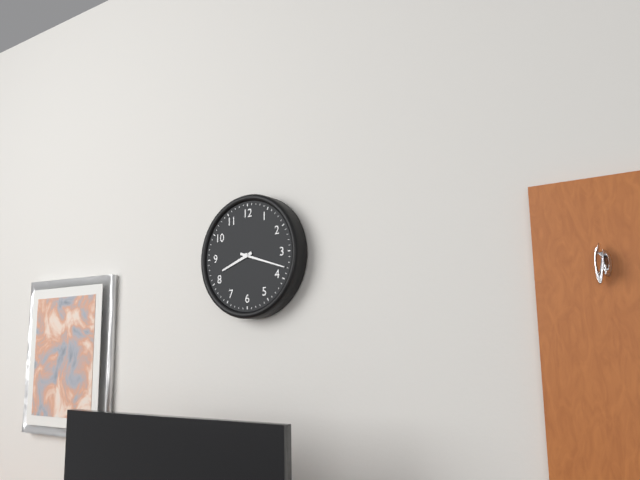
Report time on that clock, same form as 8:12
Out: 8:18
